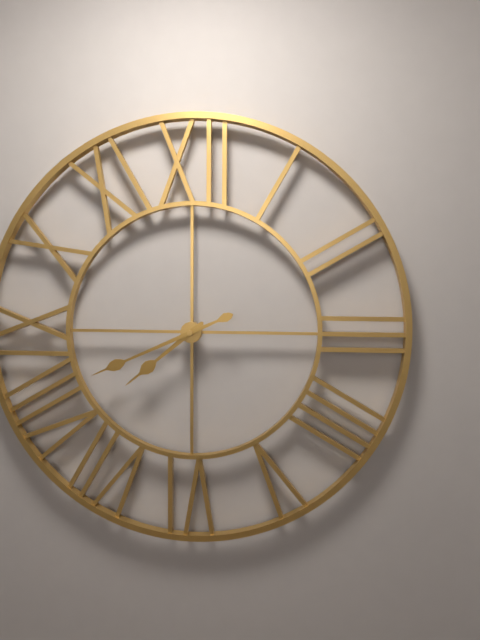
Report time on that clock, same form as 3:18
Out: 7:41
